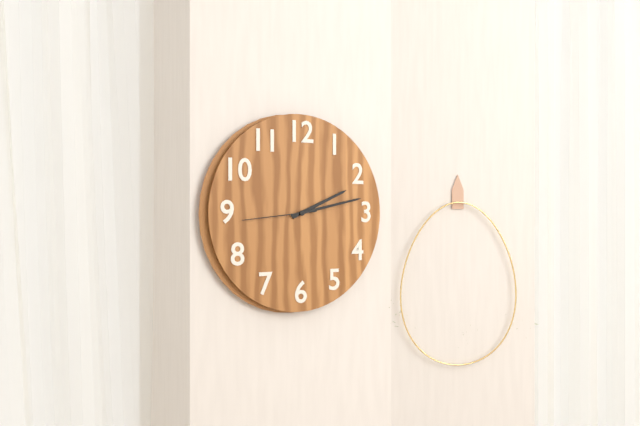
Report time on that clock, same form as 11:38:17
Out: 2:13:44
